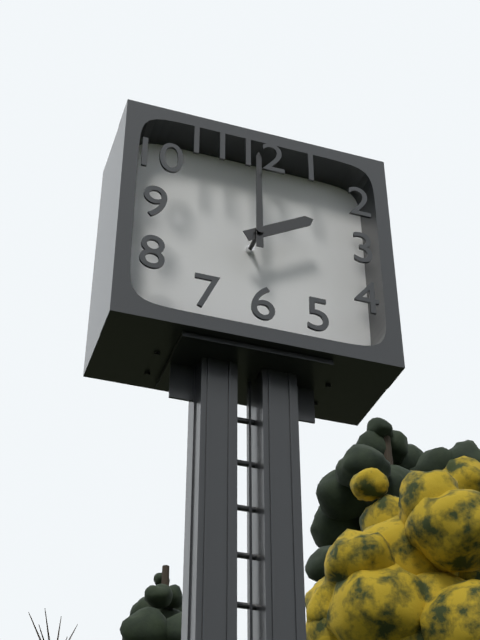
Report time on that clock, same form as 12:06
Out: 2:00
